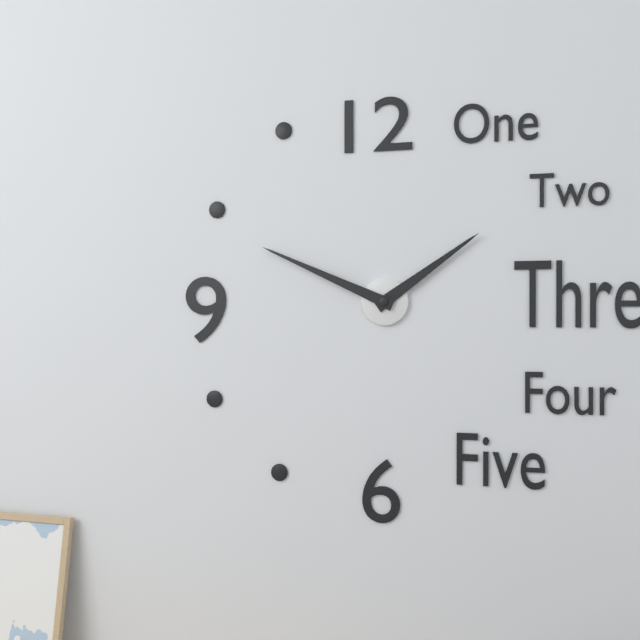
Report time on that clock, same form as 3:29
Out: 1:49
